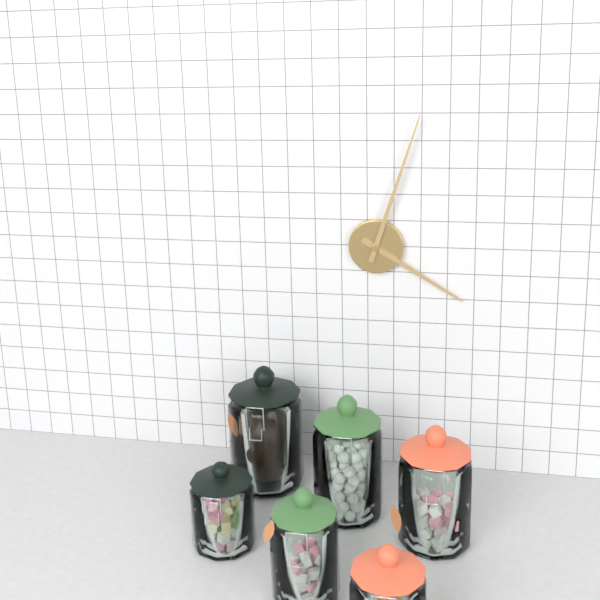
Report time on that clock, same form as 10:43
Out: 4:03
